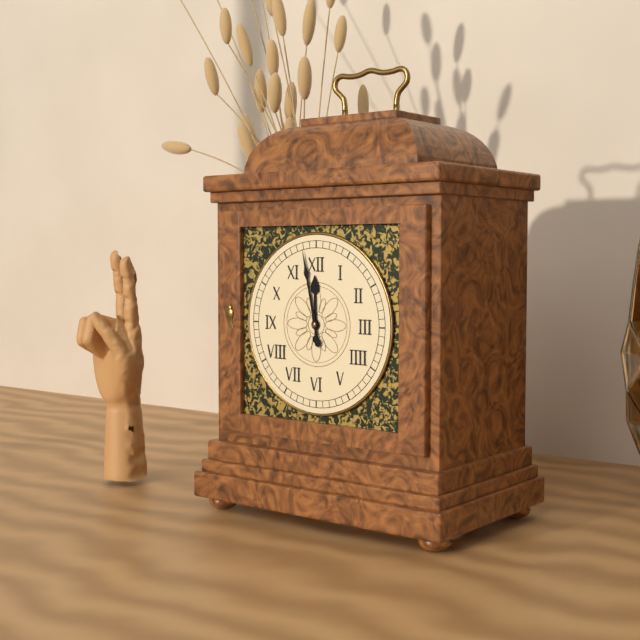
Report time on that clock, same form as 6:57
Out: 11:58
